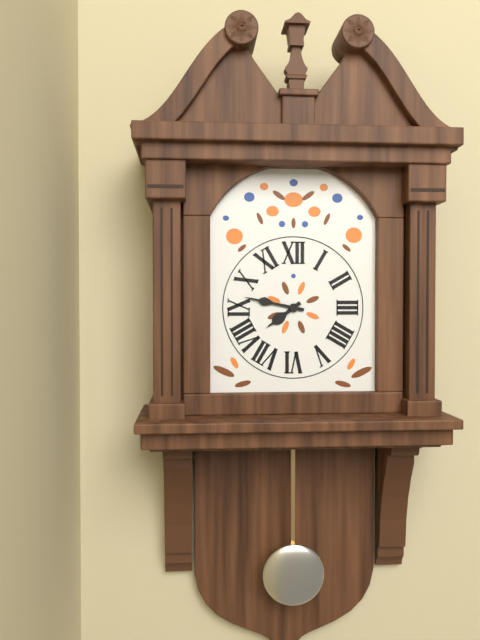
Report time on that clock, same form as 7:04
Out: 7:47
